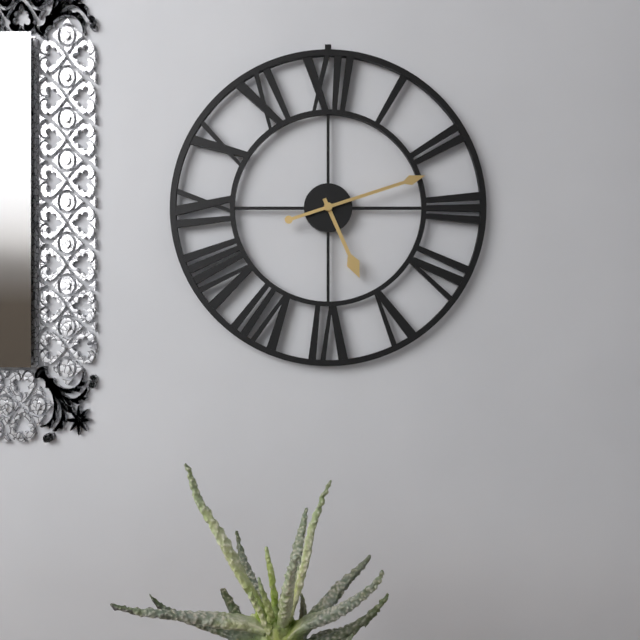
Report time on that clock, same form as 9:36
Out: 5:12
